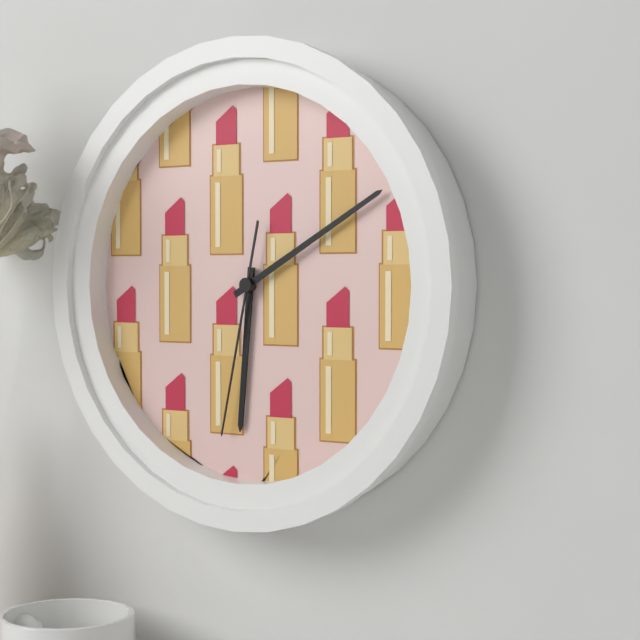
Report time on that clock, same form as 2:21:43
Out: 6:10:32
